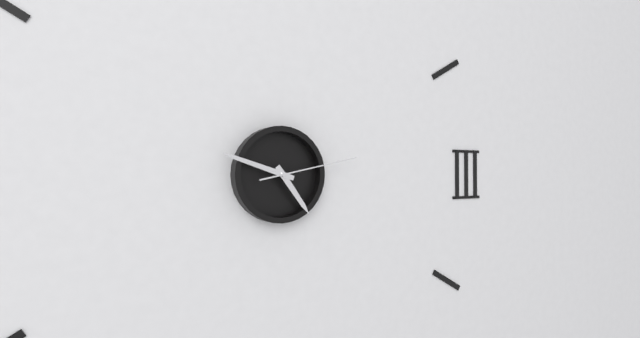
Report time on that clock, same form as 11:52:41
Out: 4:48:13
